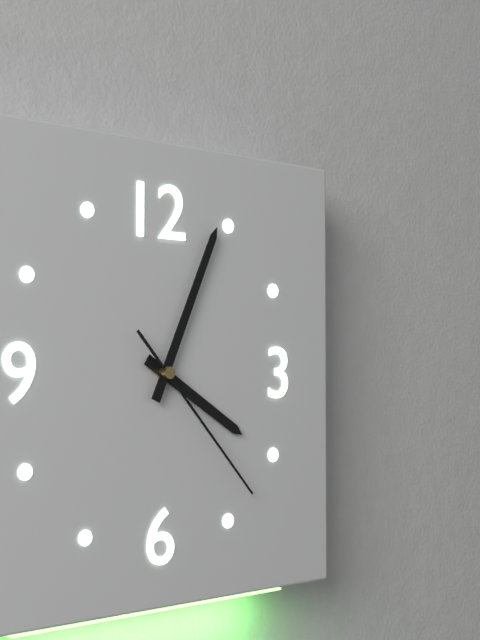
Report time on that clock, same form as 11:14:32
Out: 4:04:23
